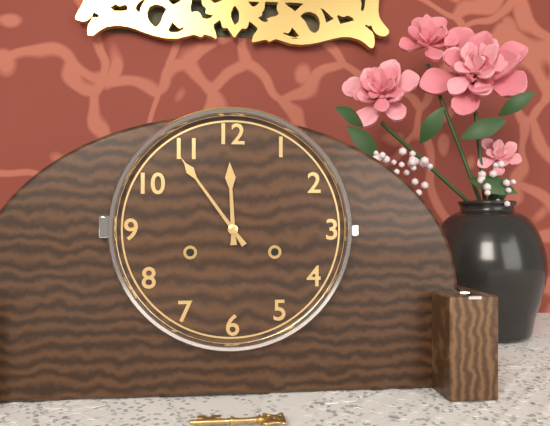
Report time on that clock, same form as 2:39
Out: 11:54
